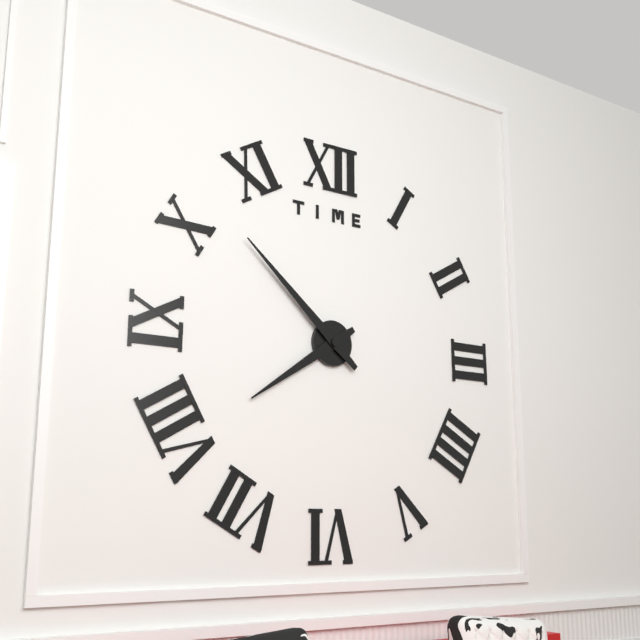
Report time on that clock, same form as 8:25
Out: 7:52
